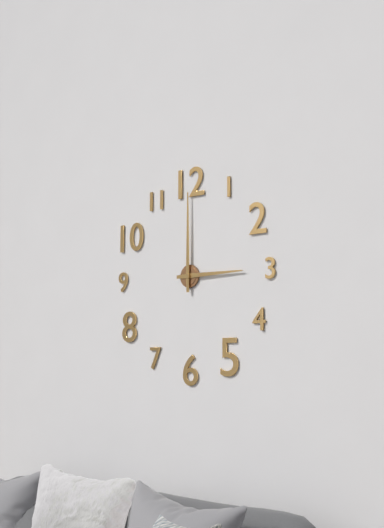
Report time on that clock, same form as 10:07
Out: 3:00
